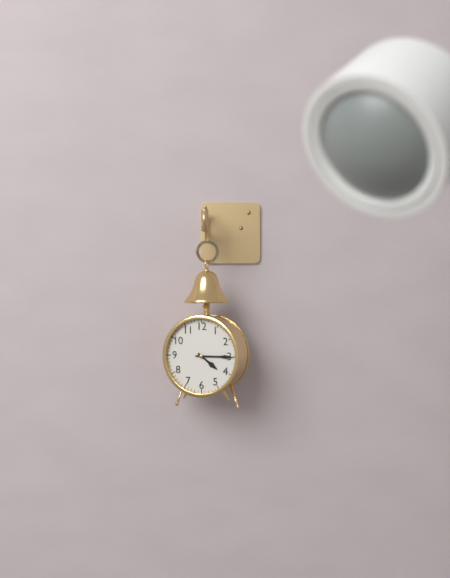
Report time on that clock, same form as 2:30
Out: 4:15
